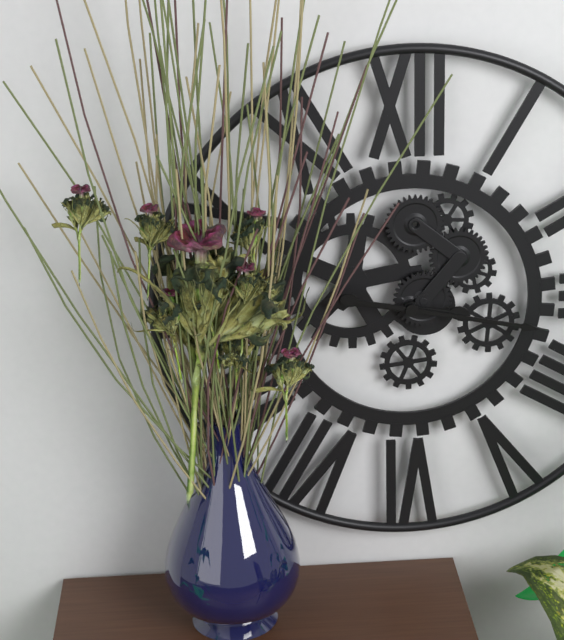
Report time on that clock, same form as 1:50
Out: 9:17
